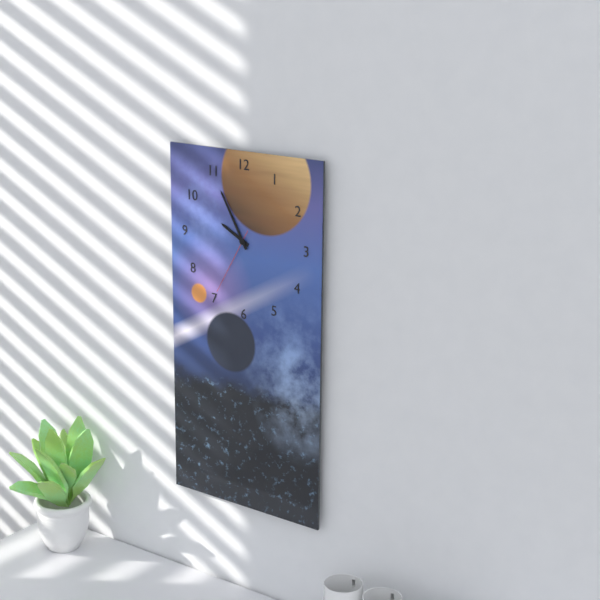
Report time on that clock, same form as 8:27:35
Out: 9:55:35
